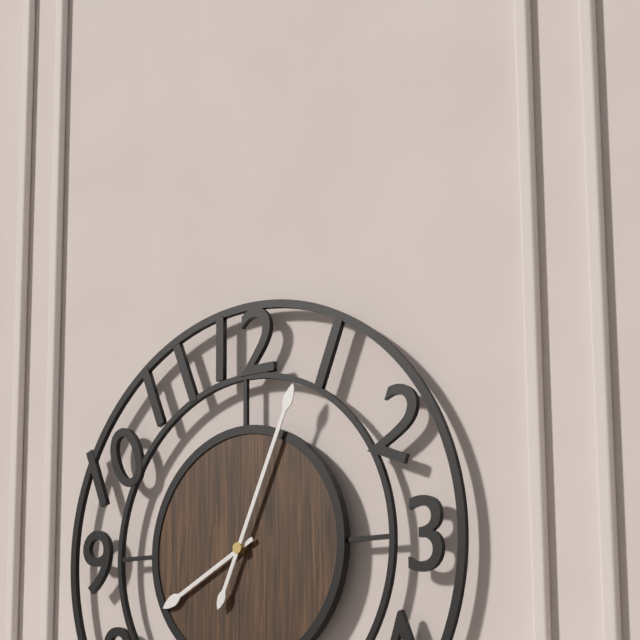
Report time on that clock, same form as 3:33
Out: 8:04
